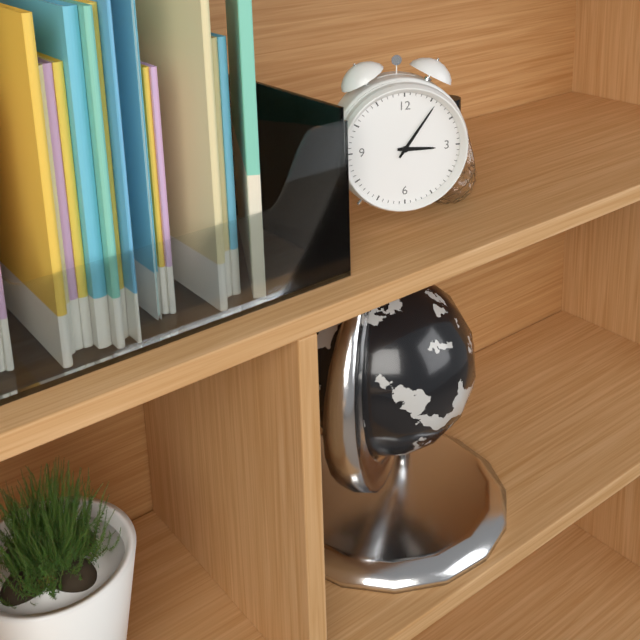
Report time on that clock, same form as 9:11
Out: 3:06
